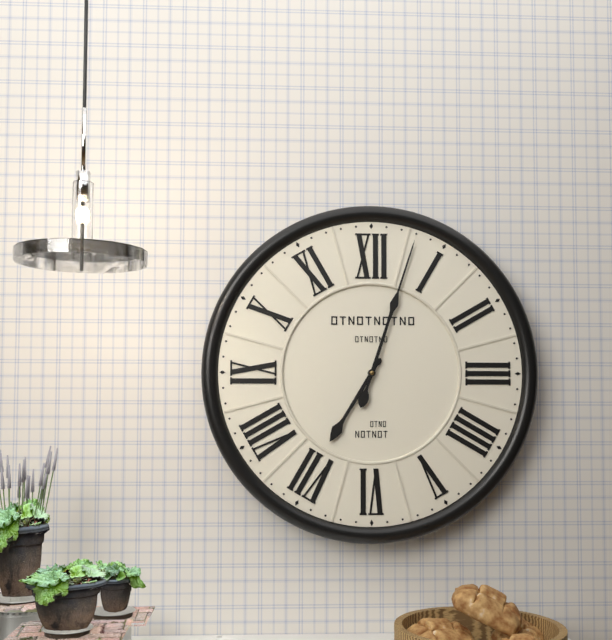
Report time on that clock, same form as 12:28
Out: 7:03
